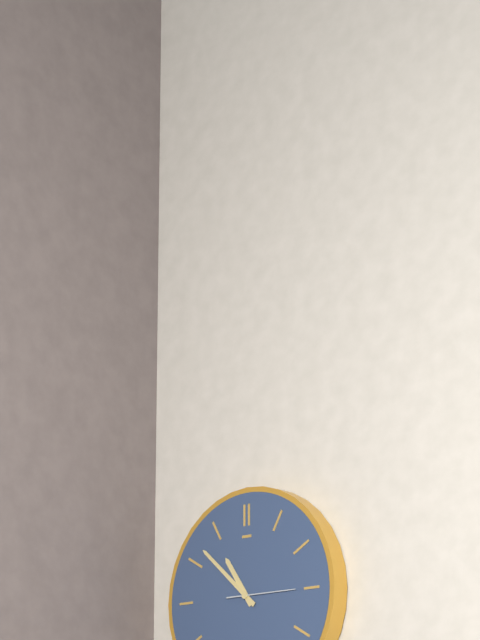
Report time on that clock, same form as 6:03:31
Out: 10:52:15
